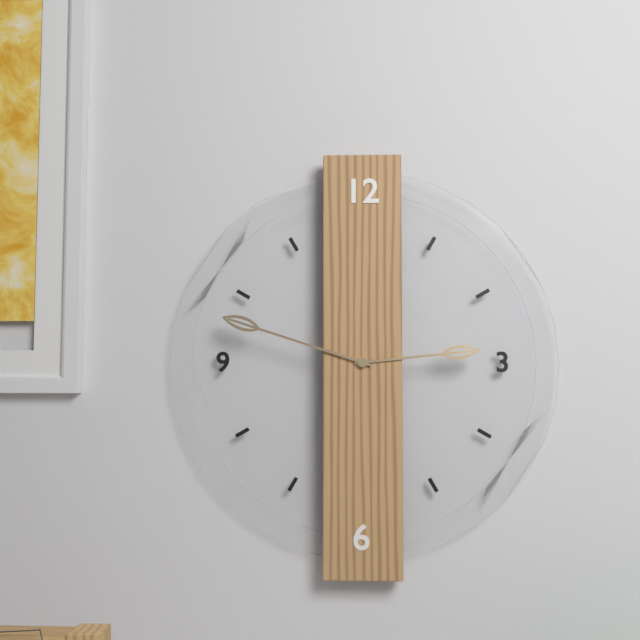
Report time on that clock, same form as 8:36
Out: 2:48
